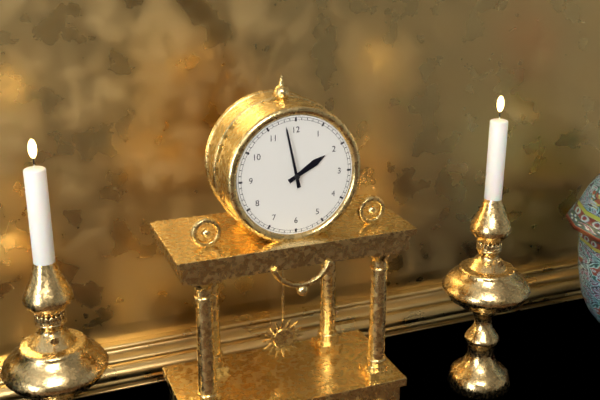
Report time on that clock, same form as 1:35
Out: 1:58
